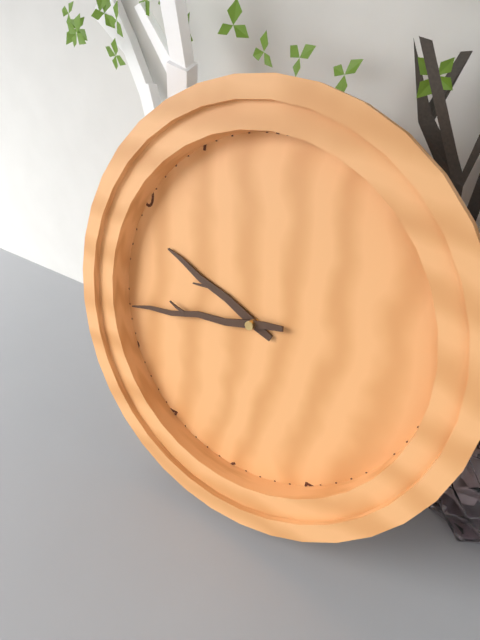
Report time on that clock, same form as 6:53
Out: 9:43
